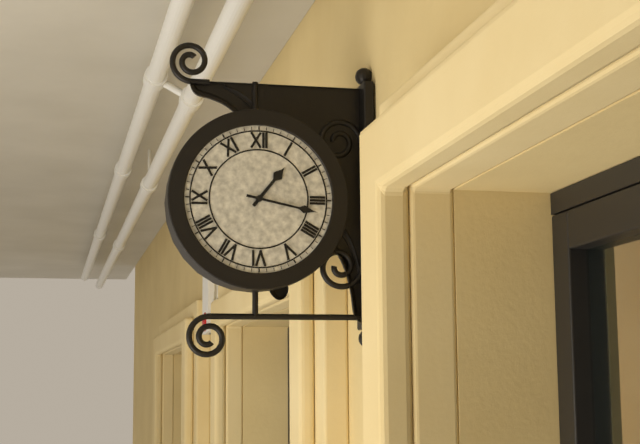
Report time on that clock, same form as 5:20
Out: 1:17
